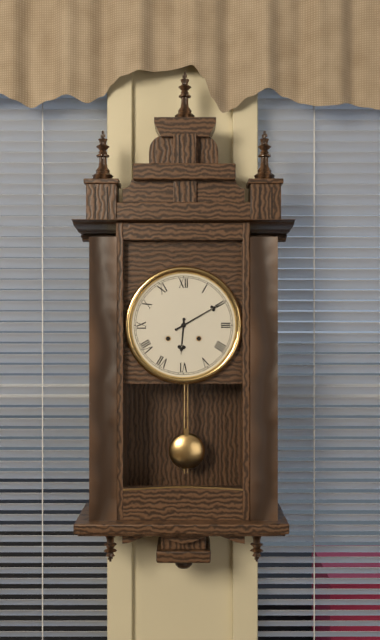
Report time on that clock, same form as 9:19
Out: 6:10
